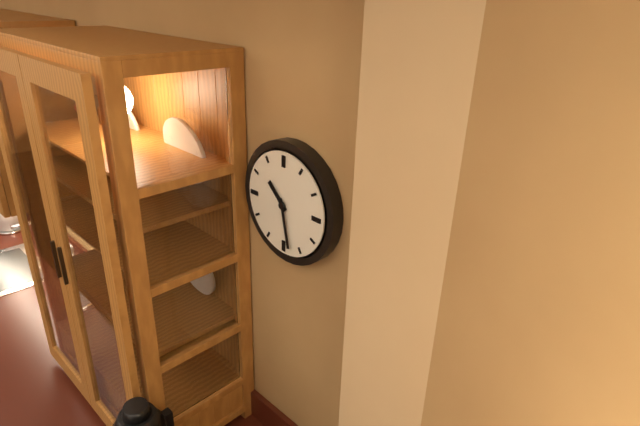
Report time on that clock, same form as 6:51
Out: 10:28
